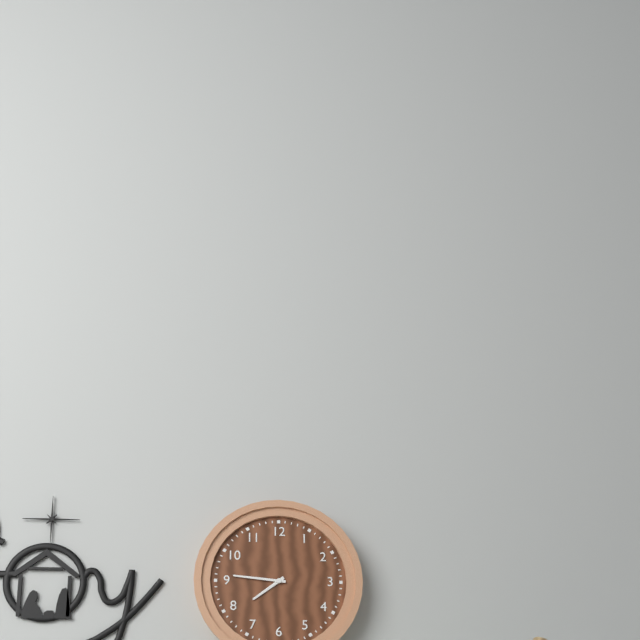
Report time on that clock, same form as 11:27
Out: 7:46
